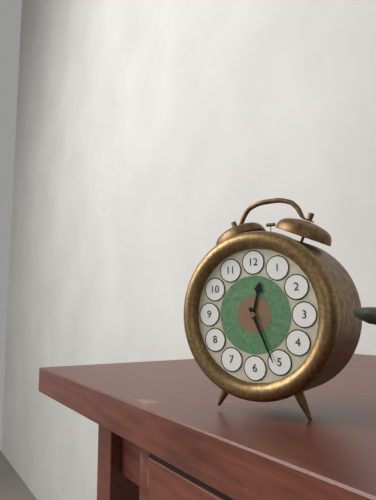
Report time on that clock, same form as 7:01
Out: 12:26
